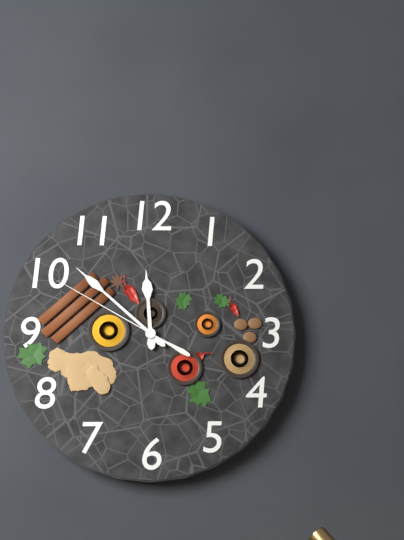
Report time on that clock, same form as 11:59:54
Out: 11:52:50
